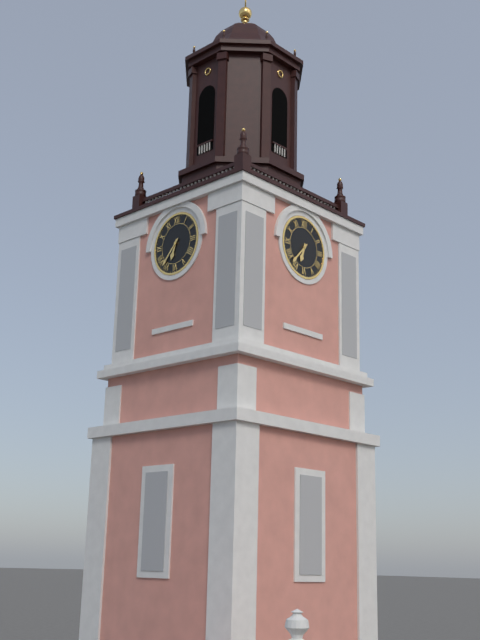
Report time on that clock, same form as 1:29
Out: 6:37
